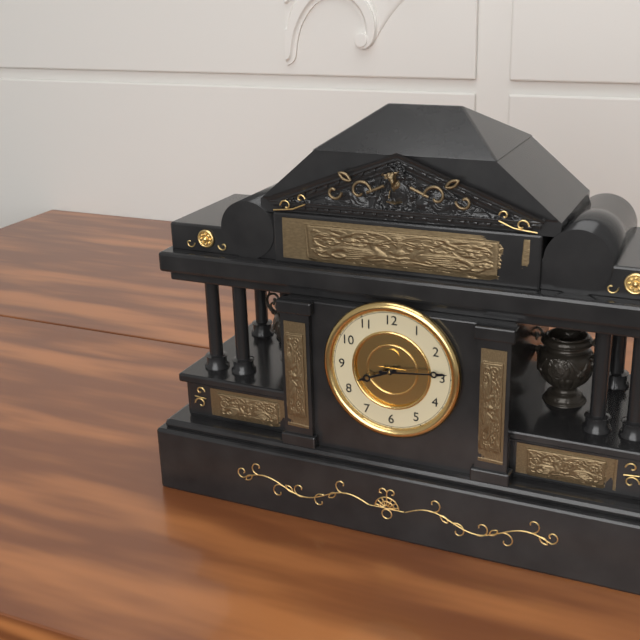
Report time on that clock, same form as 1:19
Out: 8:14
